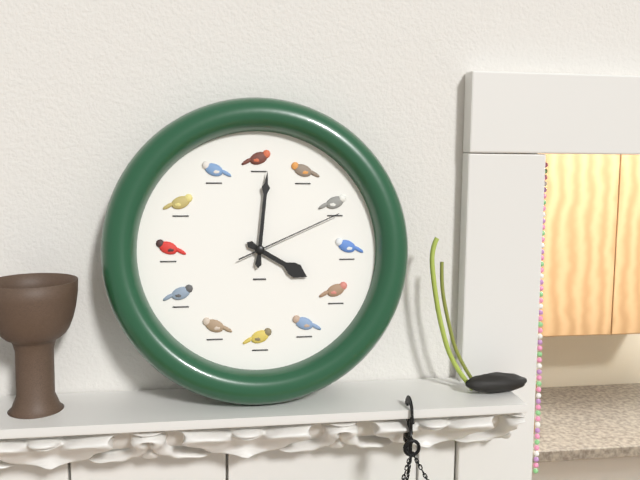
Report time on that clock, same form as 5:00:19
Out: 4:01:11
